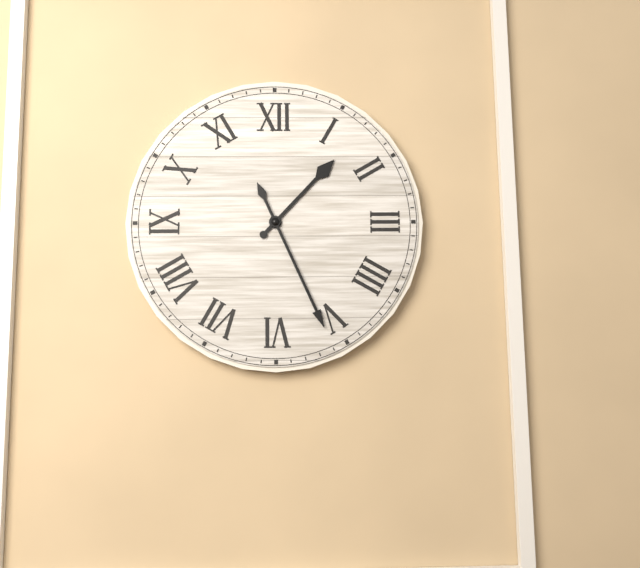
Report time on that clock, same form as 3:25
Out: 1:26
